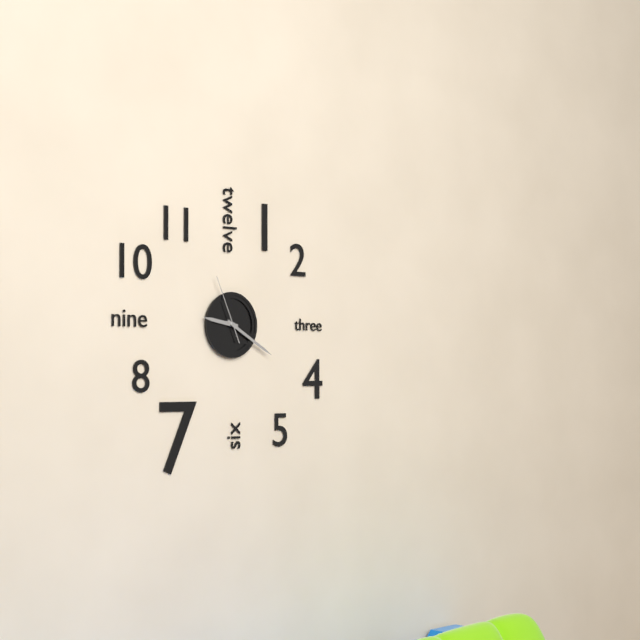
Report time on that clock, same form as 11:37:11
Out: 9:20:56
